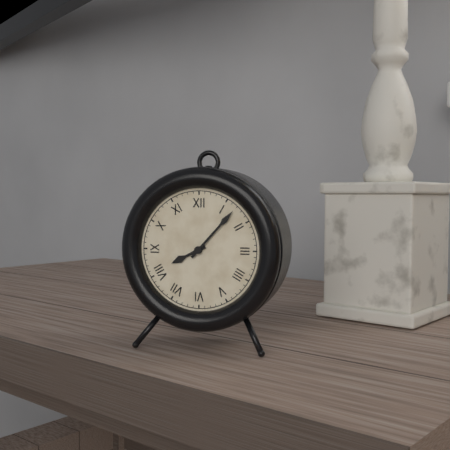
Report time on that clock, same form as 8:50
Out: 8:07
